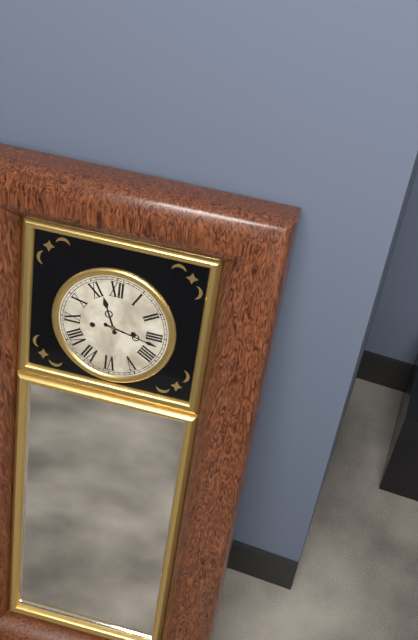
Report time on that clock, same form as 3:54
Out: 11:17
